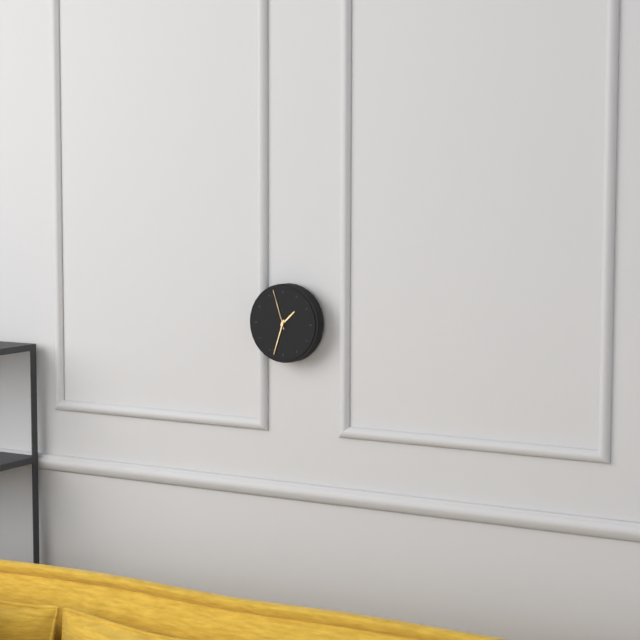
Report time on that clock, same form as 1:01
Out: 1:33
